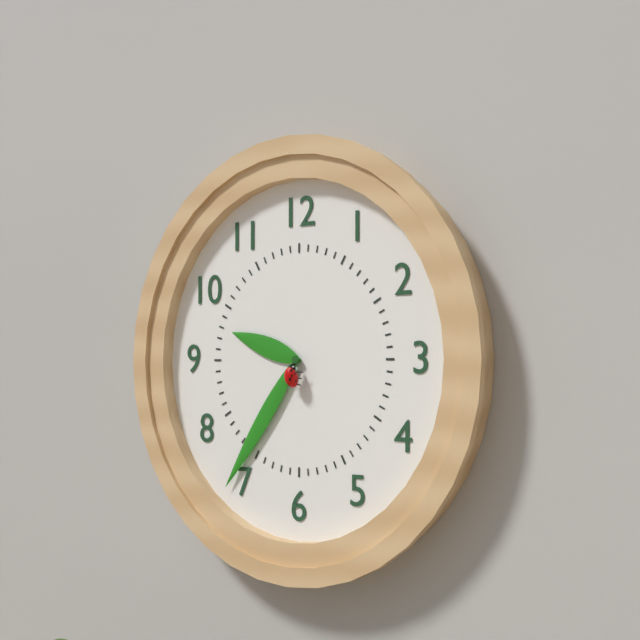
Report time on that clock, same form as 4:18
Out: 9:36
